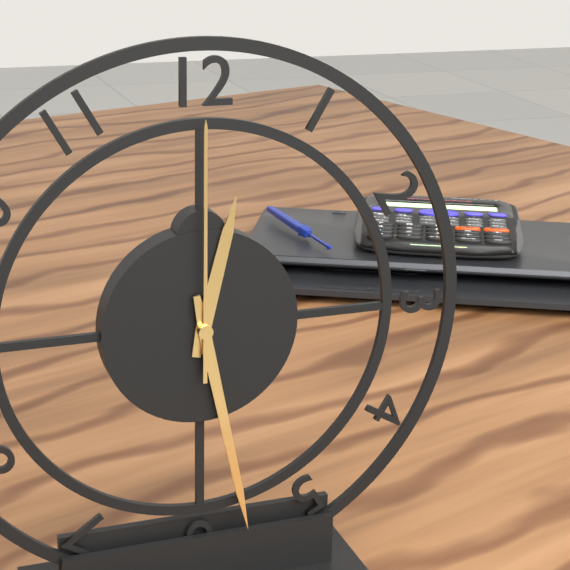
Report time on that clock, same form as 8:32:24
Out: 12:28:00
